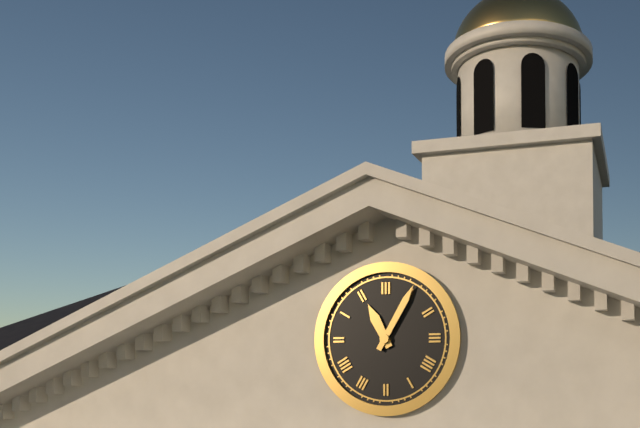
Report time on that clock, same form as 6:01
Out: 11:05
